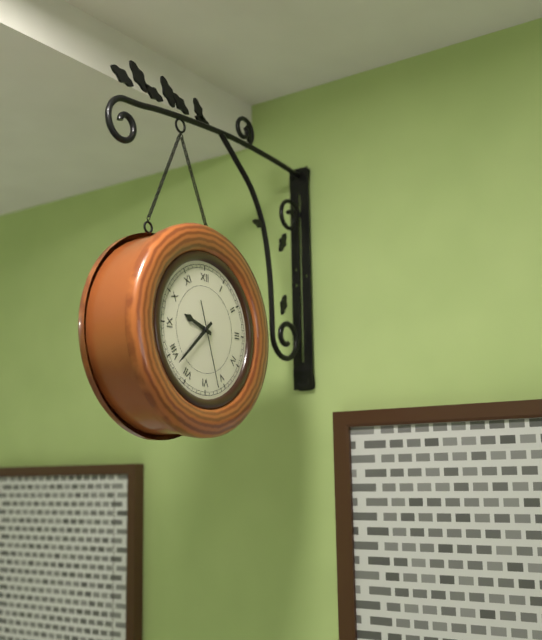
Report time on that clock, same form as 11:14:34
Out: 9:38:27
